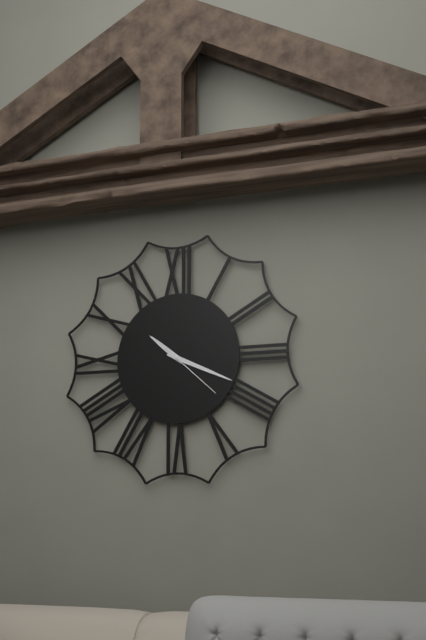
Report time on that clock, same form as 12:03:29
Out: 10:19:22
